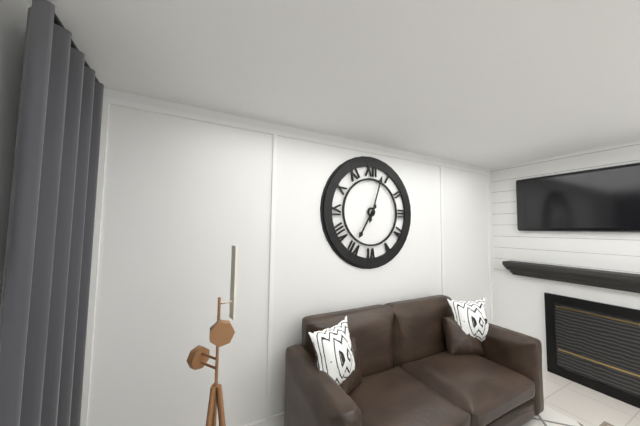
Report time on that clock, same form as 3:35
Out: 7:03
